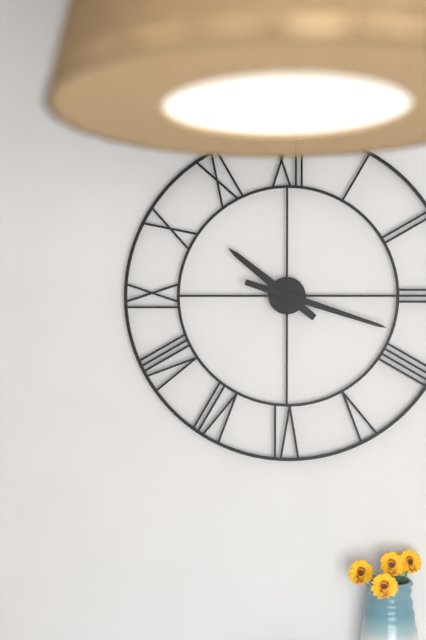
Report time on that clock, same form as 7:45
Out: 10:18
